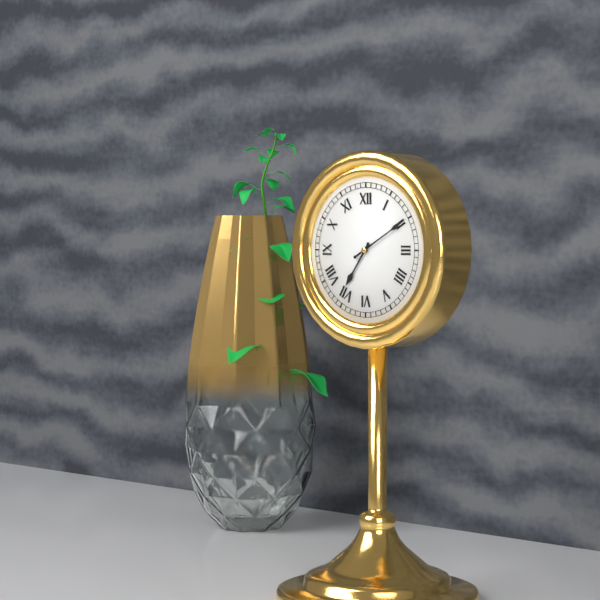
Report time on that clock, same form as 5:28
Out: 7:10
